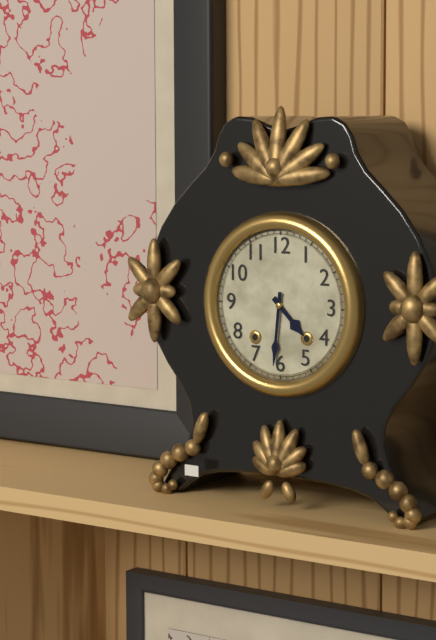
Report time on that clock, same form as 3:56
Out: 4:31
